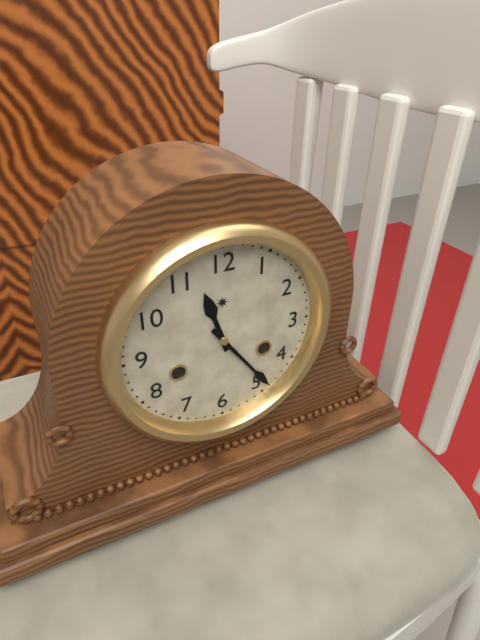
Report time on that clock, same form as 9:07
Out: 11:24
